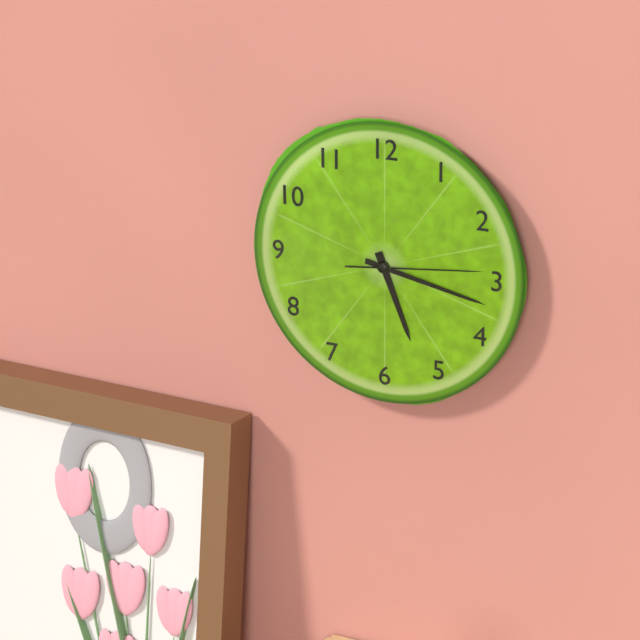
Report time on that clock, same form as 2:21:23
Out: 5:17:14
